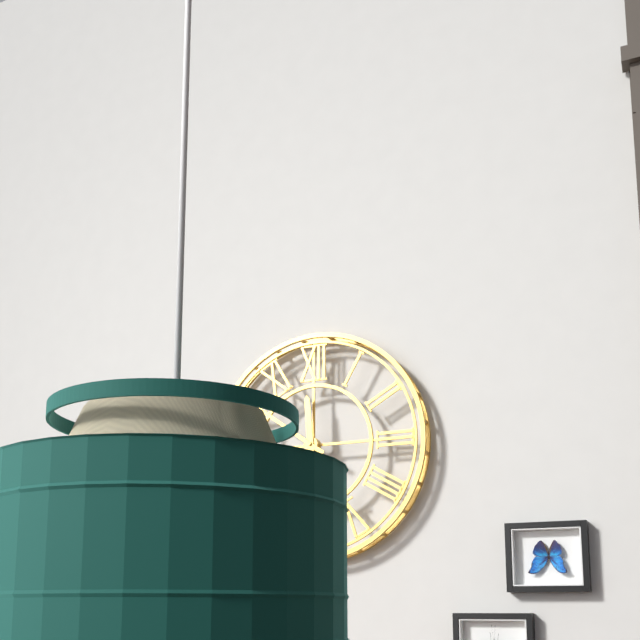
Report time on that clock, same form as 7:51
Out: 11:51
